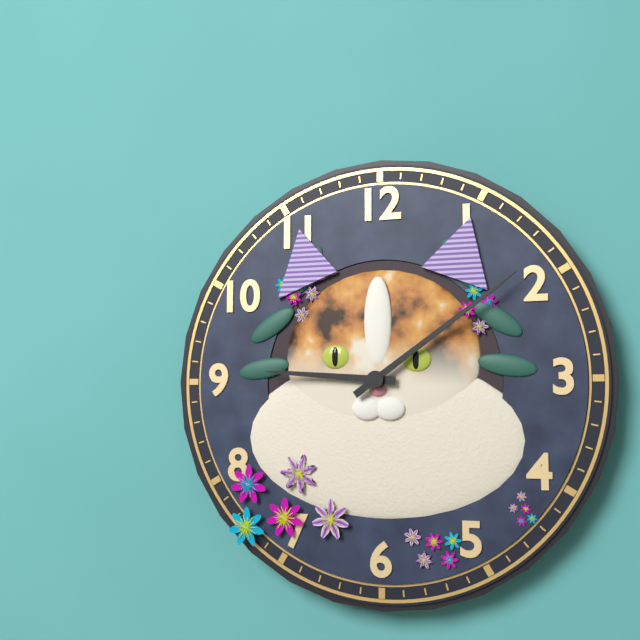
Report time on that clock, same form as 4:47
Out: 9:09
